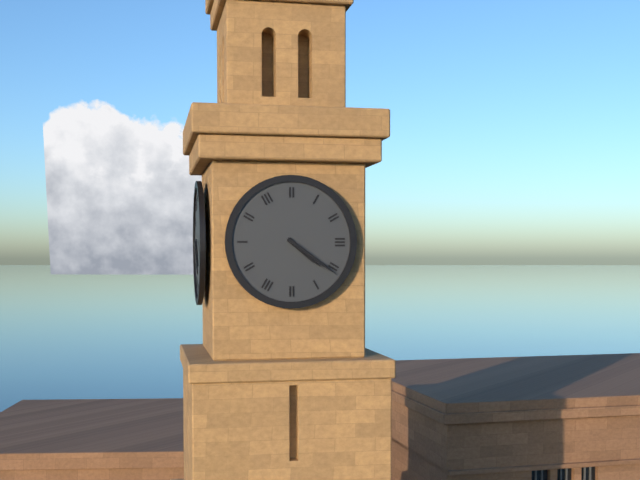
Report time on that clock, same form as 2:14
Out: 4:21
